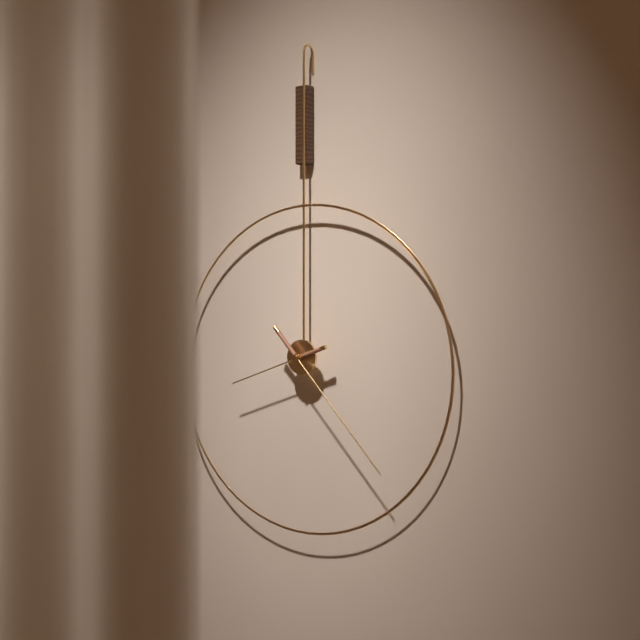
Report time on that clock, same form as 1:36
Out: 8:23
